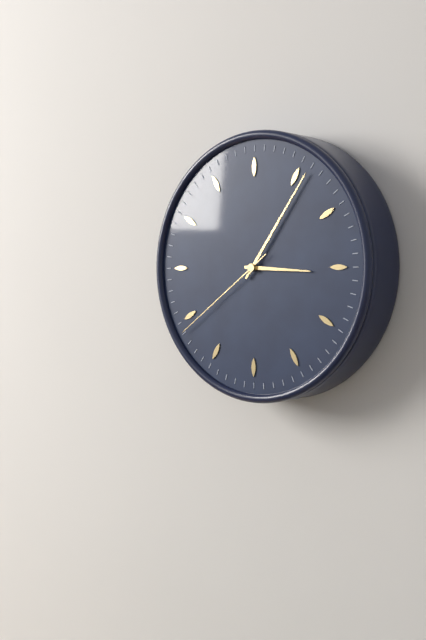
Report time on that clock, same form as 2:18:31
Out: 3:06:39
